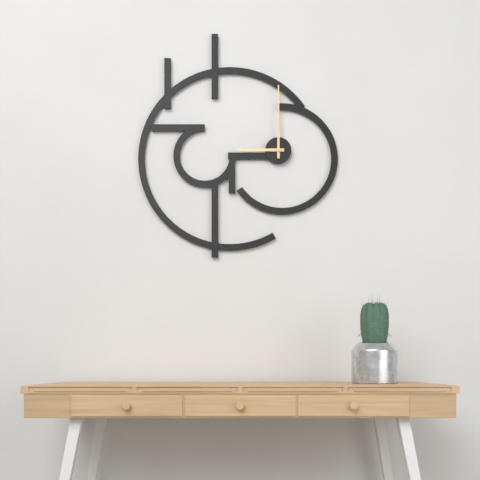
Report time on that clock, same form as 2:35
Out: 9:00
